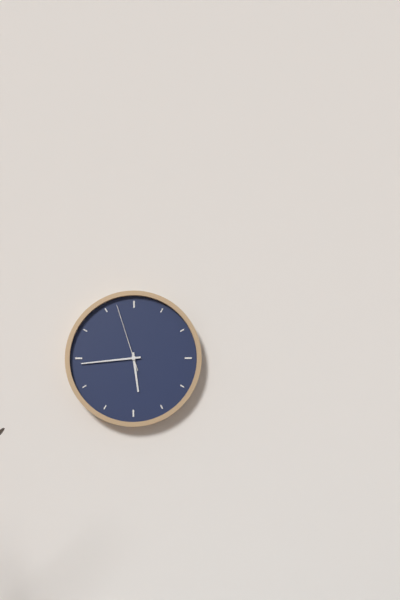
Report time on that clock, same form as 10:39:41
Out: 5:44:57
